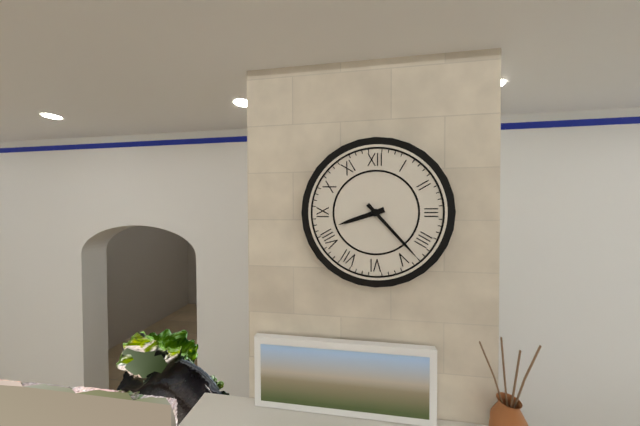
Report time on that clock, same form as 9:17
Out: 8:23
